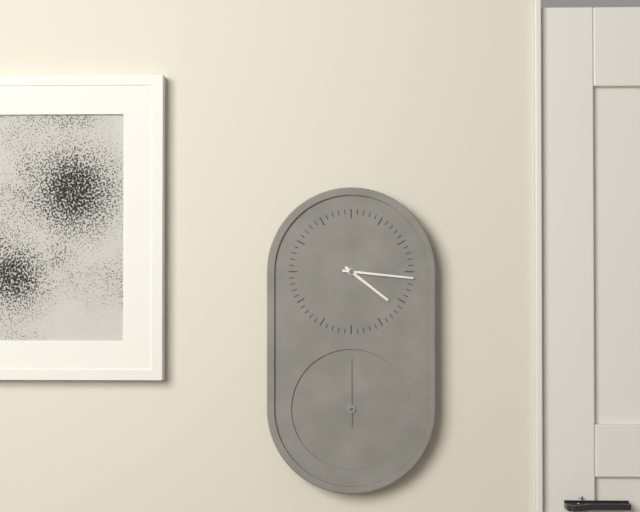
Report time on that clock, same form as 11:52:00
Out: 4:16:00
